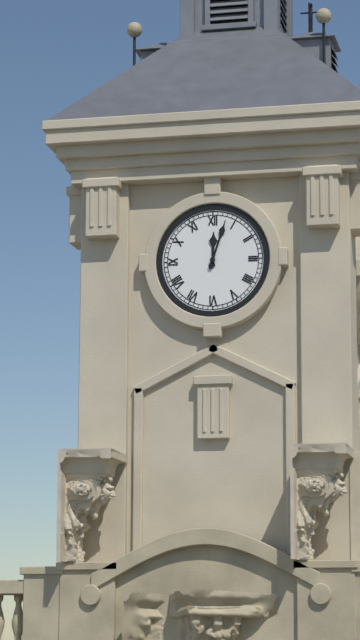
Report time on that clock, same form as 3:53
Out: 12:03
